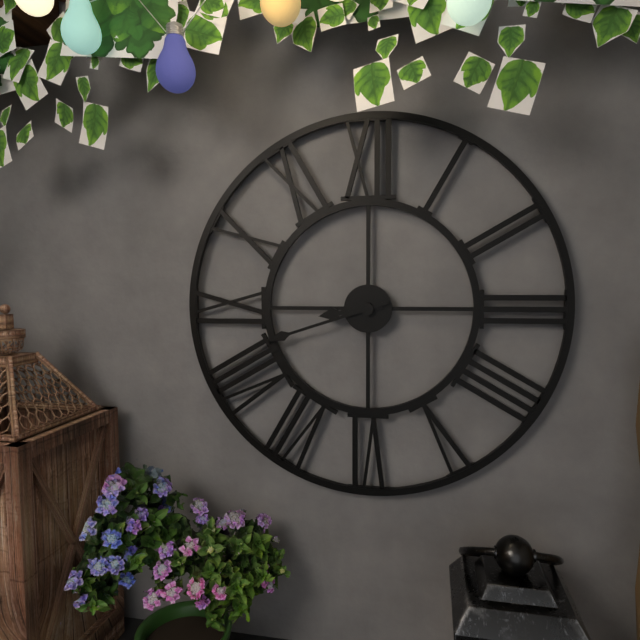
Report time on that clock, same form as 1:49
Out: 8:42
